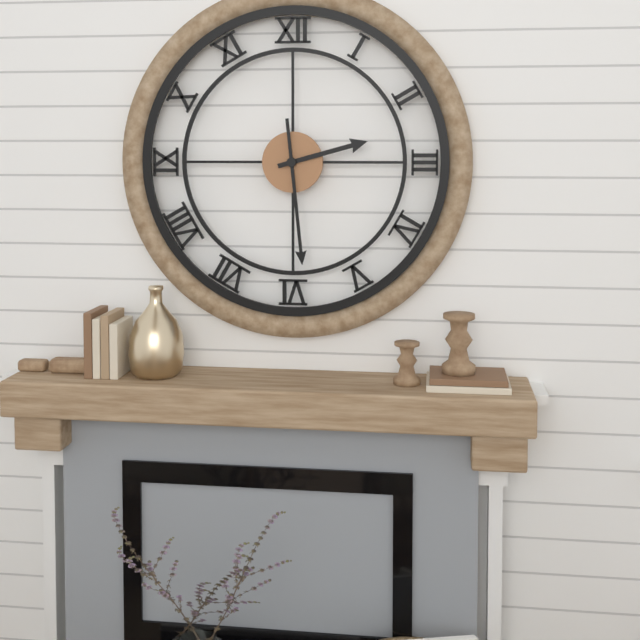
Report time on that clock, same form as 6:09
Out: 2:29
